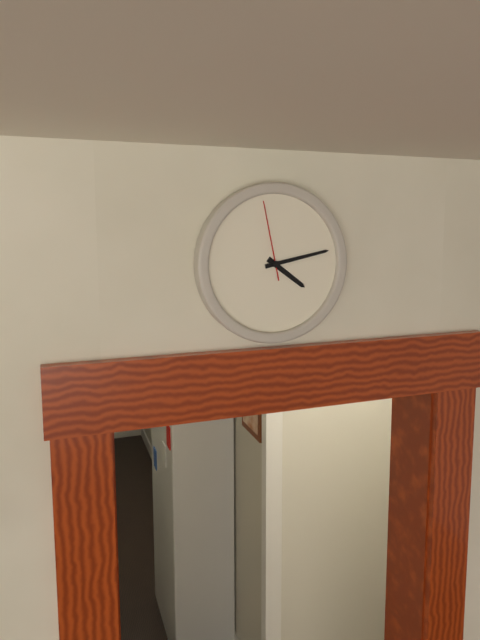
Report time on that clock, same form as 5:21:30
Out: 4:13:58
